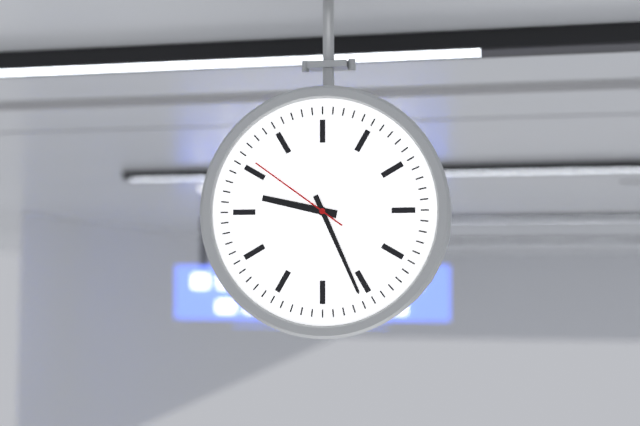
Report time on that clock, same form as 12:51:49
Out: 9:26:51
